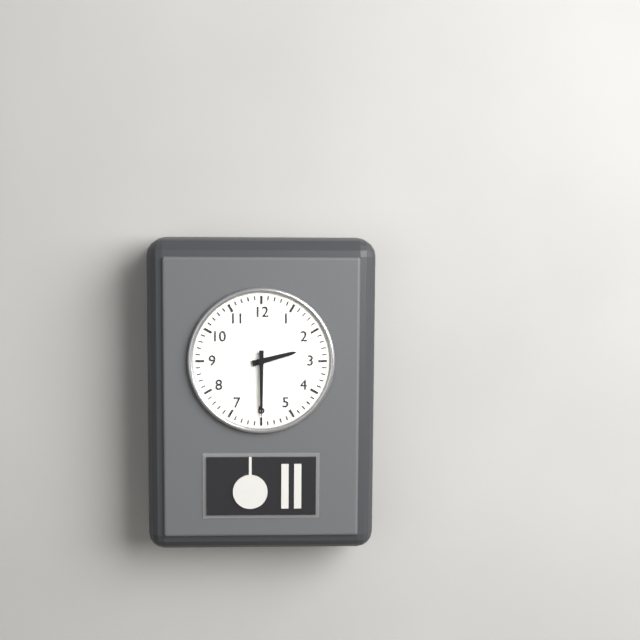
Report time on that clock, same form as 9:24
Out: 2:30
